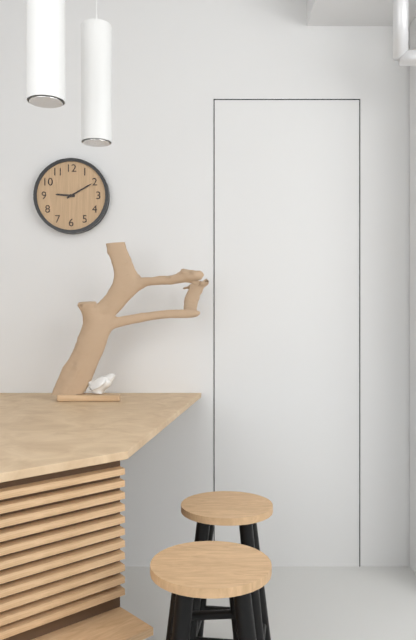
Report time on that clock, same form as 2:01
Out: 9:10
